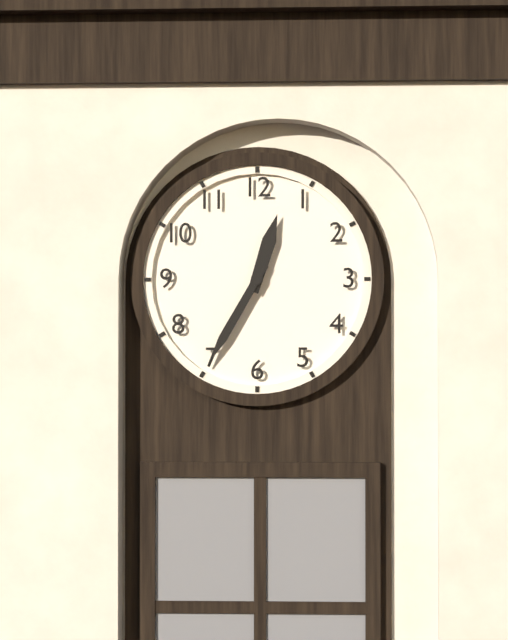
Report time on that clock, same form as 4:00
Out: 12:35
